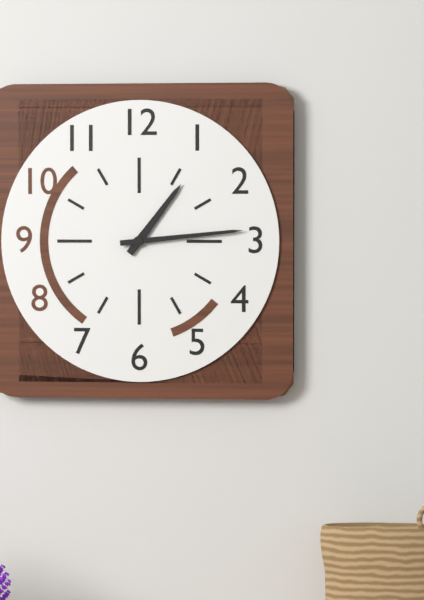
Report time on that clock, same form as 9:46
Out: 1:14
